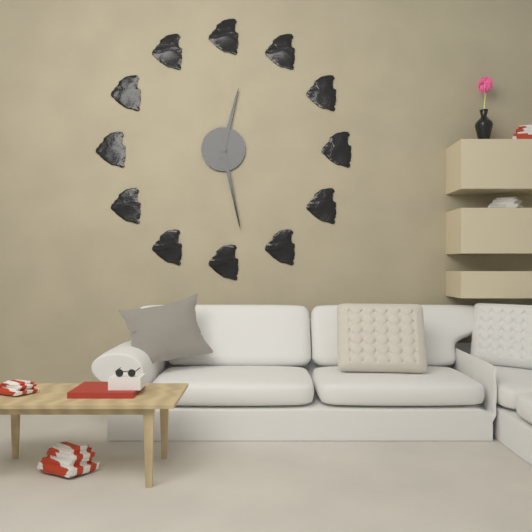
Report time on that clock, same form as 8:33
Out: 12:28
